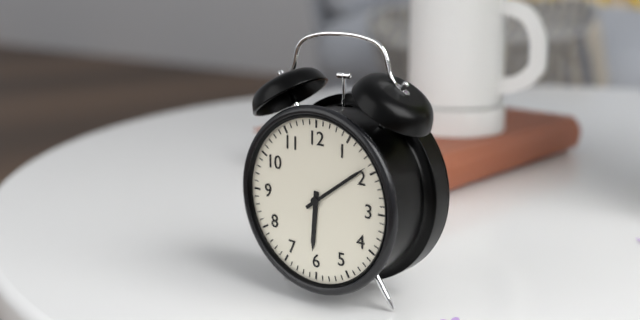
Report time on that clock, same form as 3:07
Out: 6:09
